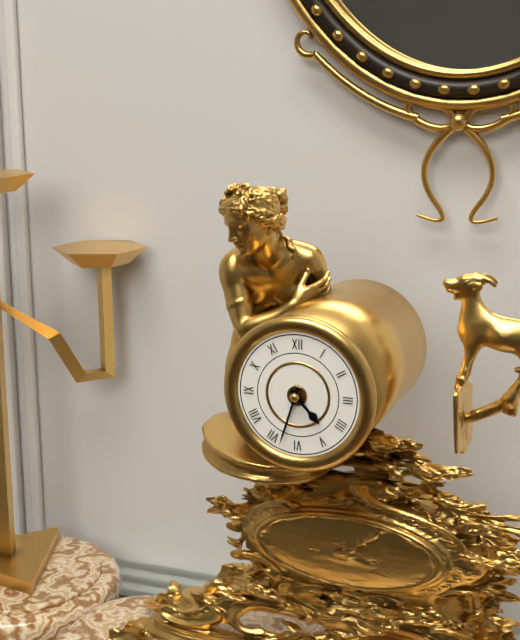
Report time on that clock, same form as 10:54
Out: 4:33
